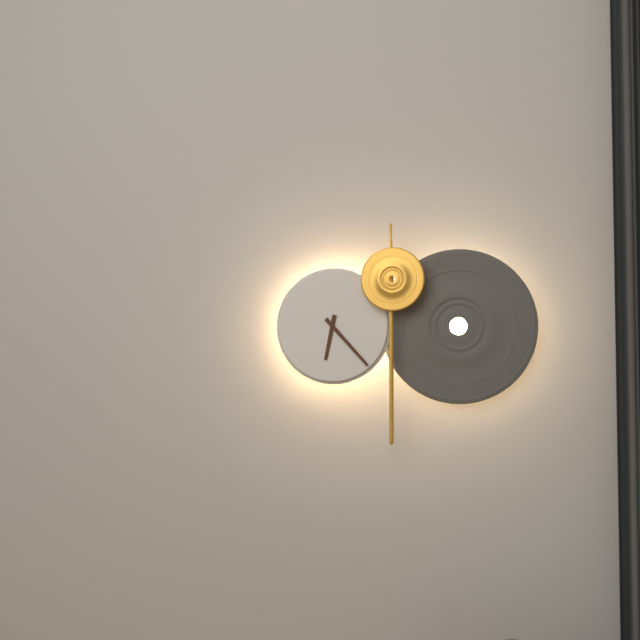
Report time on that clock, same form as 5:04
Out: 6:23
